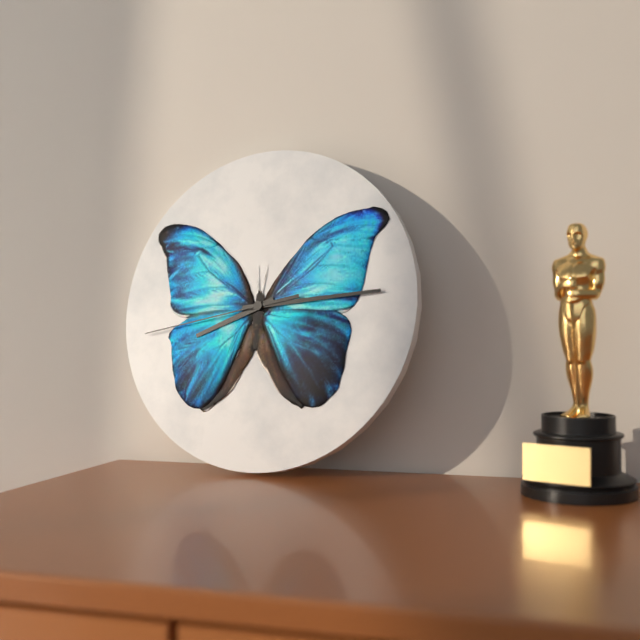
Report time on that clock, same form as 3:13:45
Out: 8:14:43
